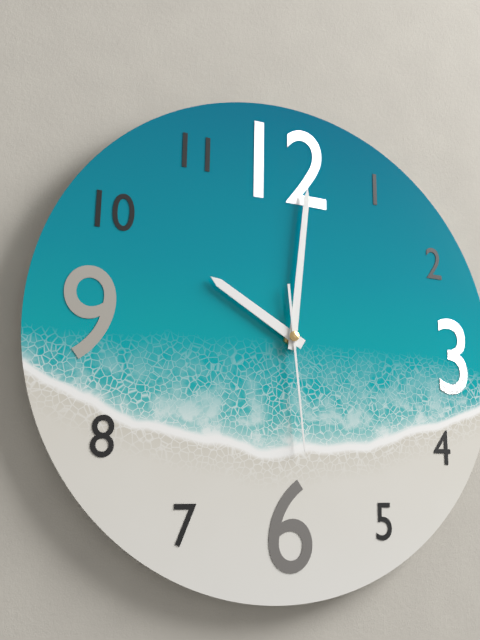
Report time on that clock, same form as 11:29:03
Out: 10:01:29
